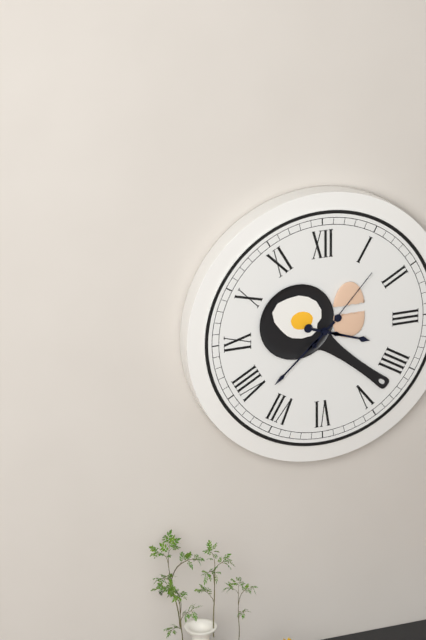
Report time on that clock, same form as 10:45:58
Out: 3:38:07
